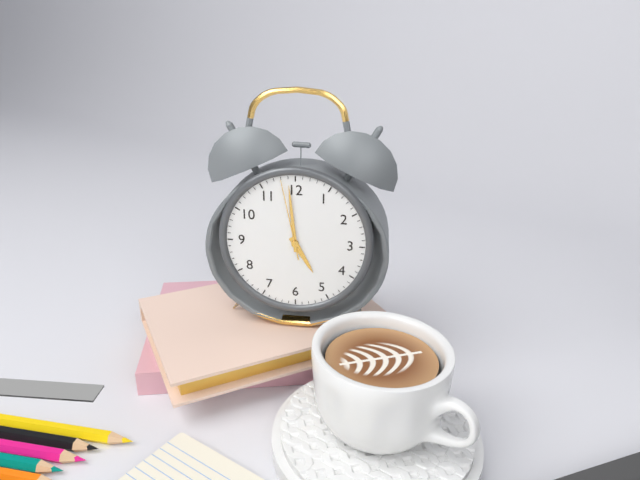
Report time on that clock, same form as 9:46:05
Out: 4:59:58
